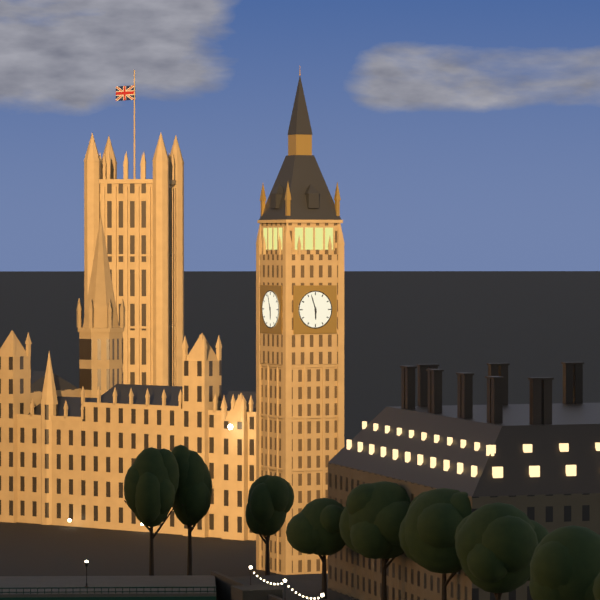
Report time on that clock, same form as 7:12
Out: 5:57
